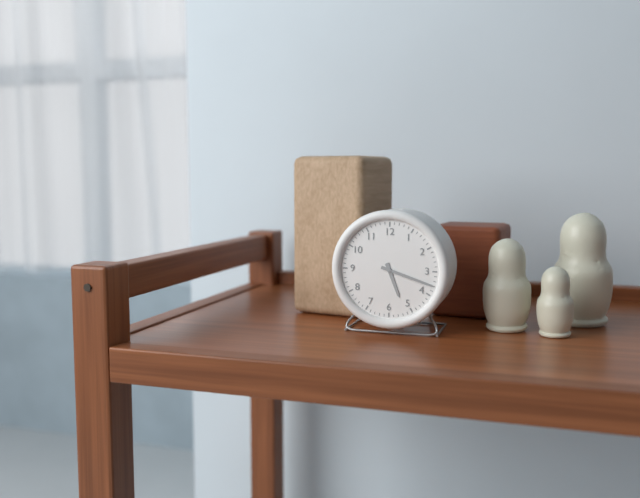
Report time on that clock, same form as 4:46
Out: 5:18
